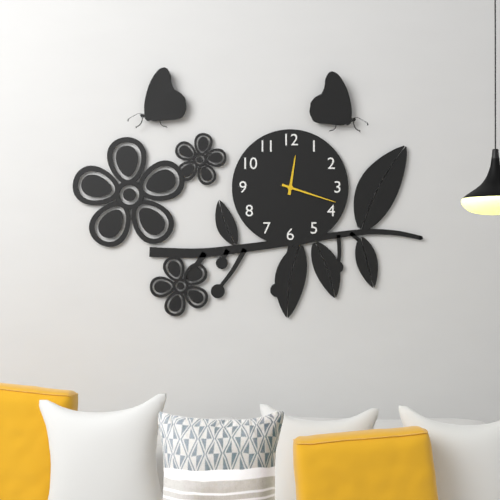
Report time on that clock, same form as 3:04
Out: 12:18
